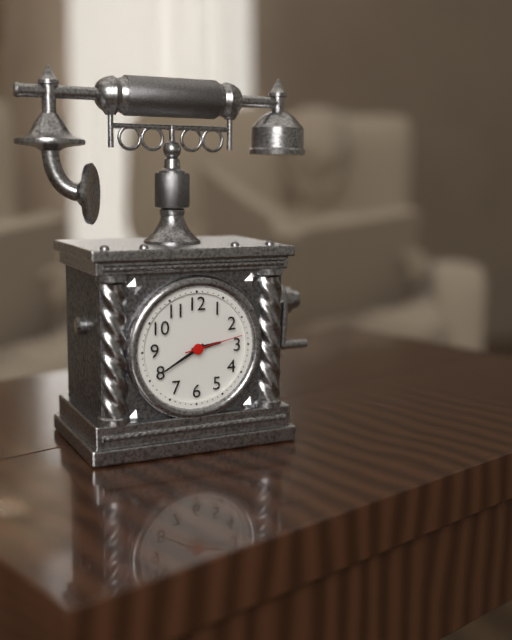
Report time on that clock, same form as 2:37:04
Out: 2:40:13
